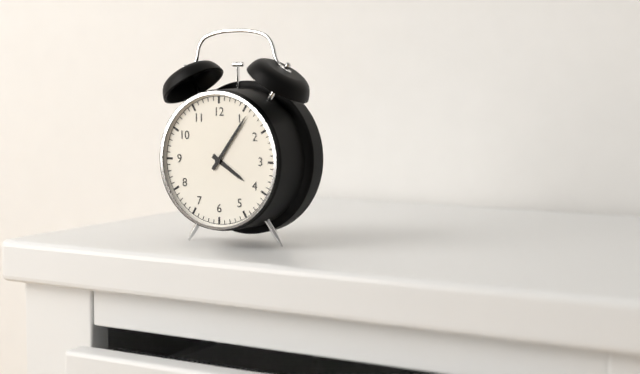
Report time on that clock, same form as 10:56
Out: 4:06
